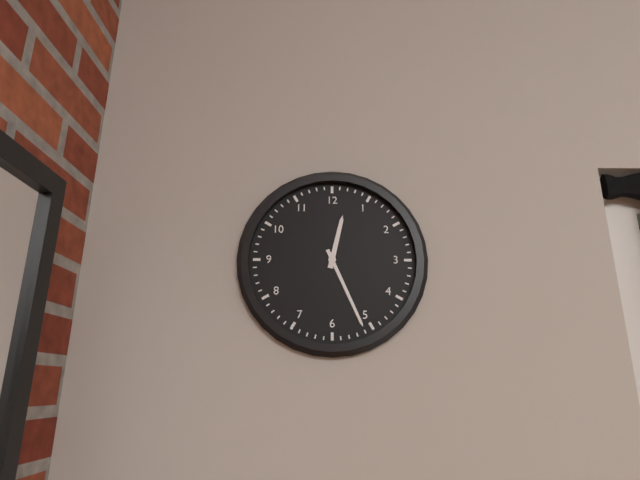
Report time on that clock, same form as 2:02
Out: 12:26
